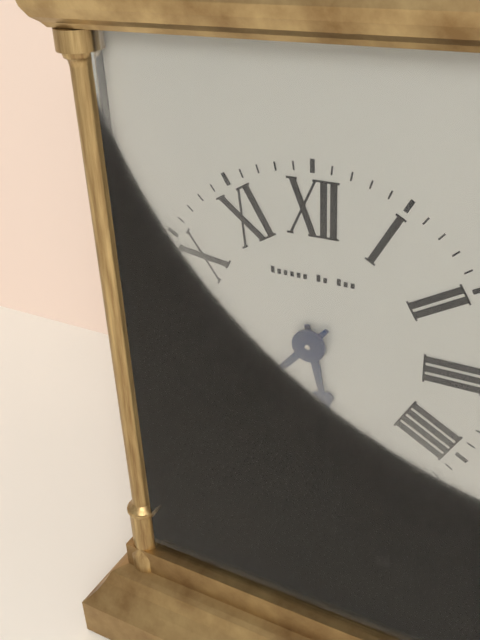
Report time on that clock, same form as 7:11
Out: 5:37
